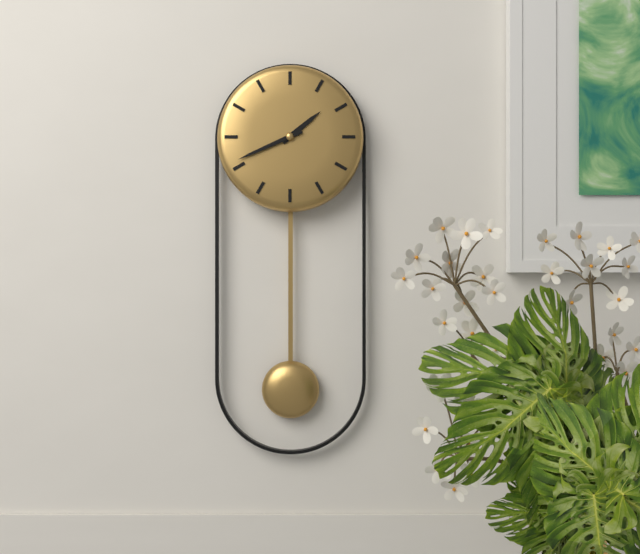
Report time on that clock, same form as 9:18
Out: 1:41
